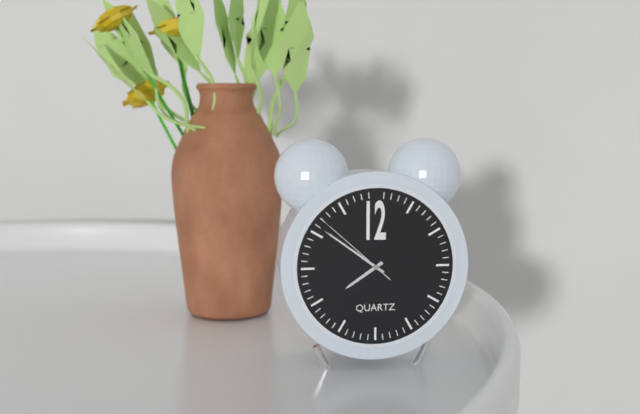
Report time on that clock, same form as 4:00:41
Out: 7:51:52
